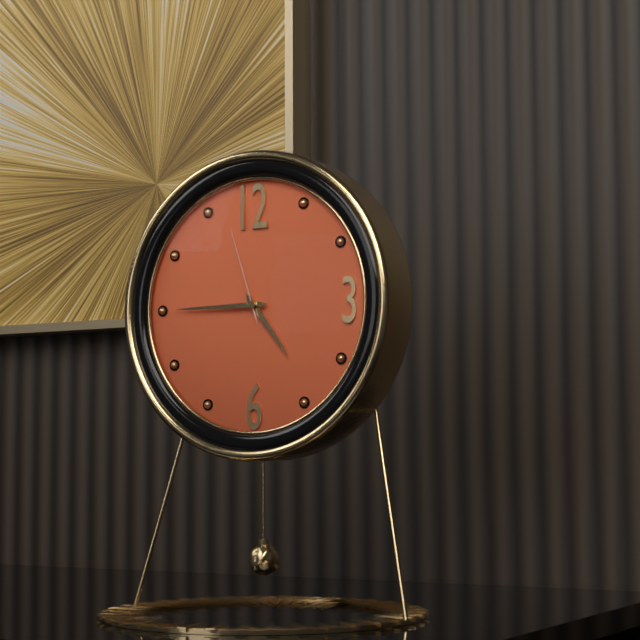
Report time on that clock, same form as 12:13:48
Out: 4:45:57
